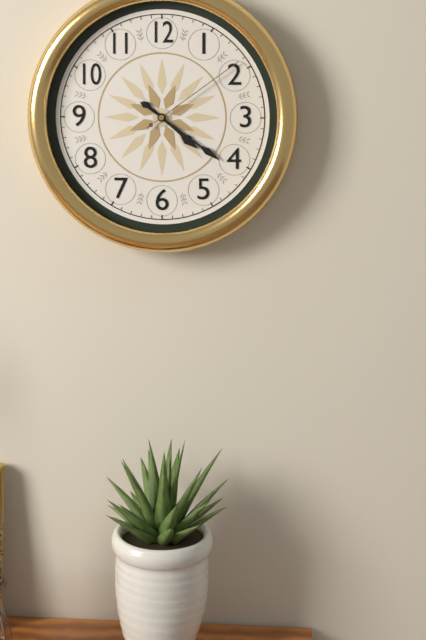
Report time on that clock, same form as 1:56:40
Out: 4:21:09
